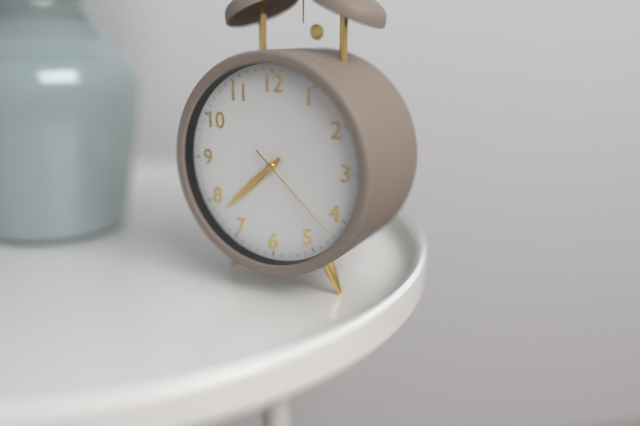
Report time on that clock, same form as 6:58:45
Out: 7:38:22
